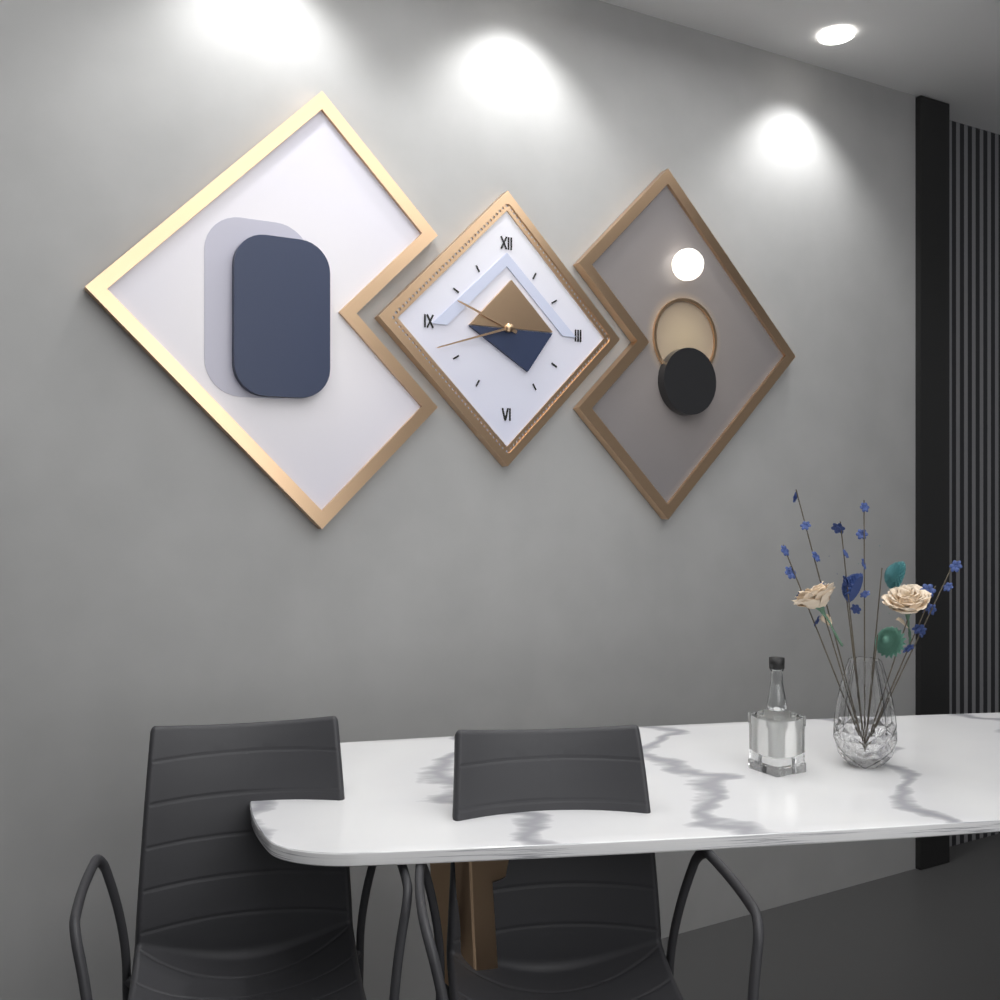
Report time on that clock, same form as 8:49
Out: 9:42
